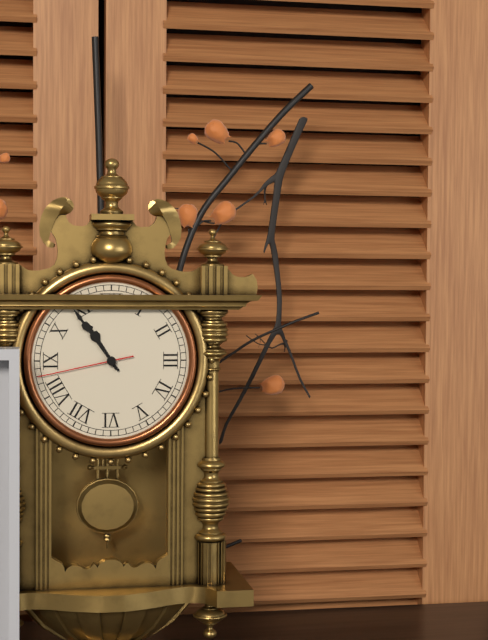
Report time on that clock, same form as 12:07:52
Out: 10:54:43
